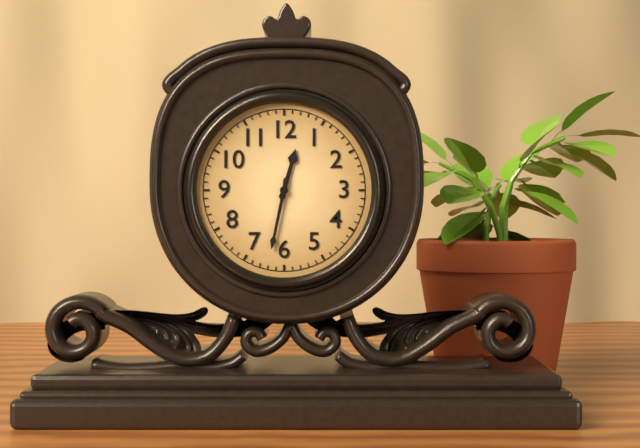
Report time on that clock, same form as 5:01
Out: 12:32
